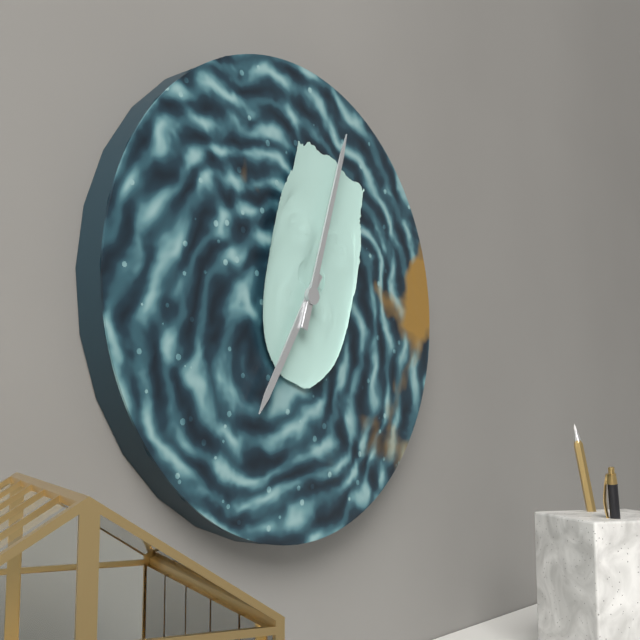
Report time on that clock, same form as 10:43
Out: 7:03
